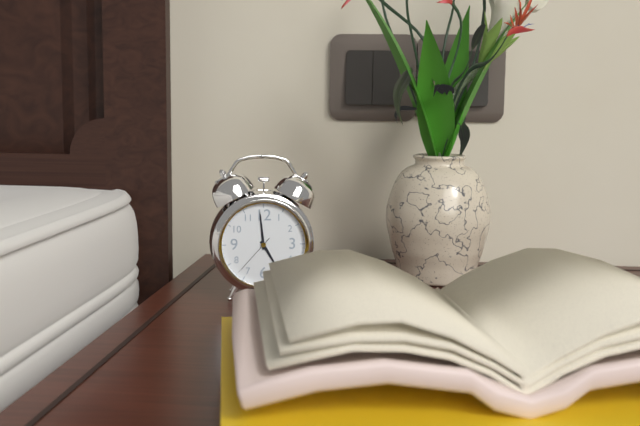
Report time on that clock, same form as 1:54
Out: 4:59
